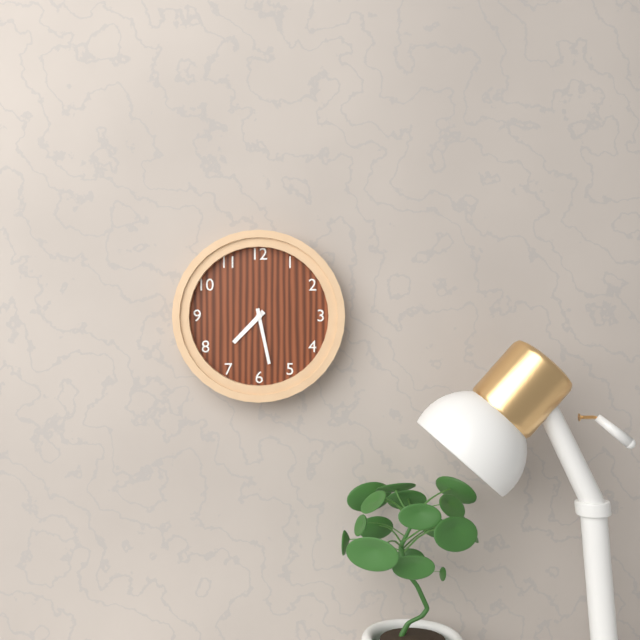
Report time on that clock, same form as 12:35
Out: 7:28
